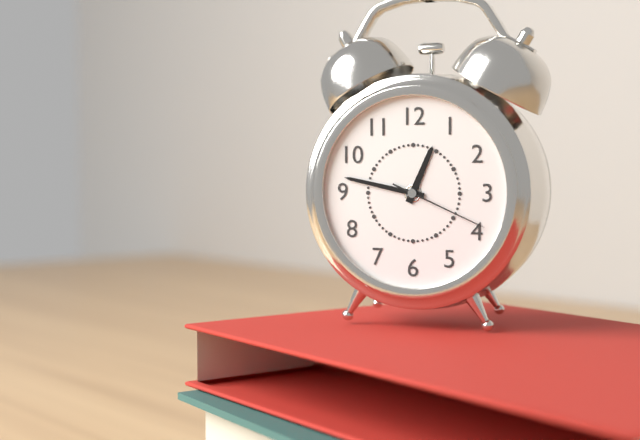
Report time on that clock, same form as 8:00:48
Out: 12:47:19
